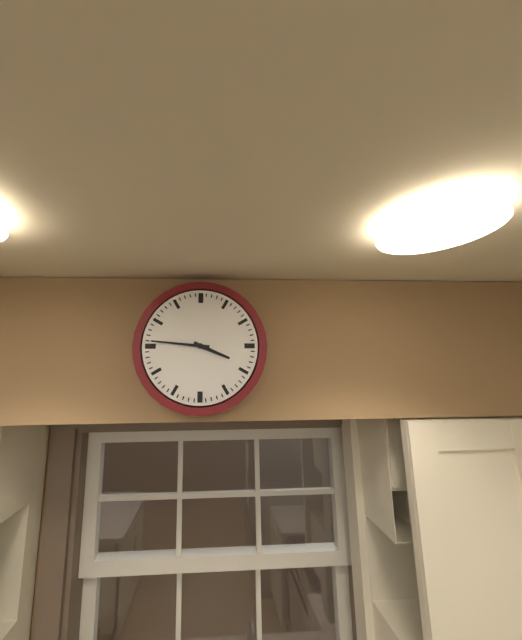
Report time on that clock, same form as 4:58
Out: 3:46
